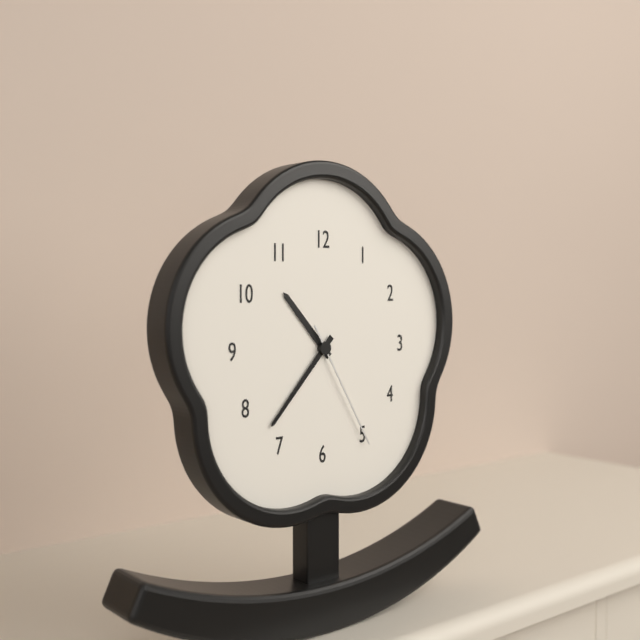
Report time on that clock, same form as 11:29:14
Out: 10:37:25
